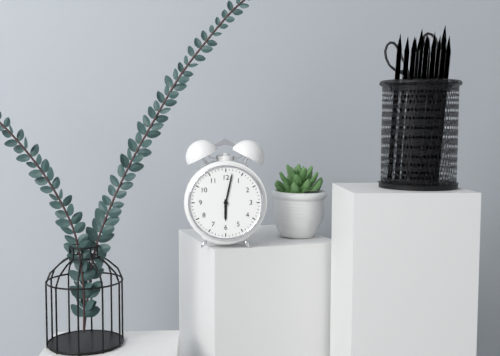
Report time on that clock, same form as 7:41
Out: 6:02
